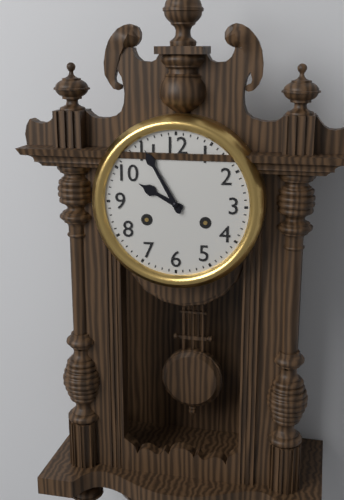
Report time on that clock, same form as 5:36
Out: 9:55
